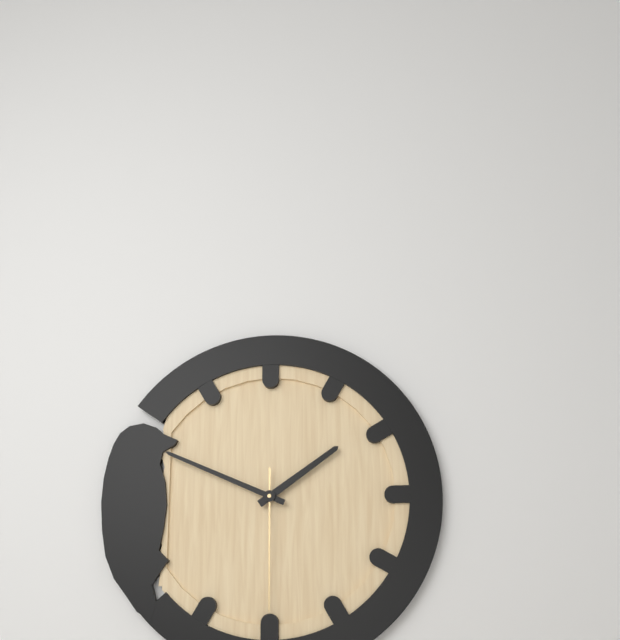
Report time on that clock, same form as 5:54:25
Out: 1:49:30
